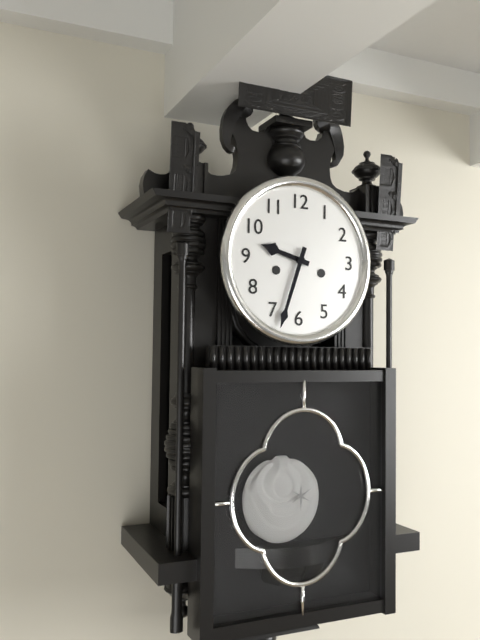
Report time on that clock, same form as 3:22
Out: 9:33
